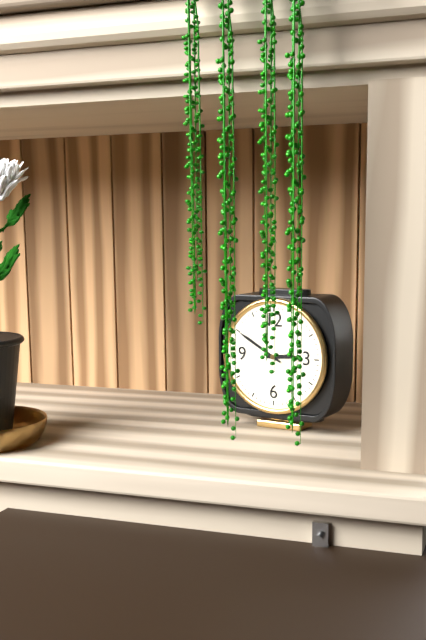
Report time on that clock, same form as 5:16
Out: 2:50
